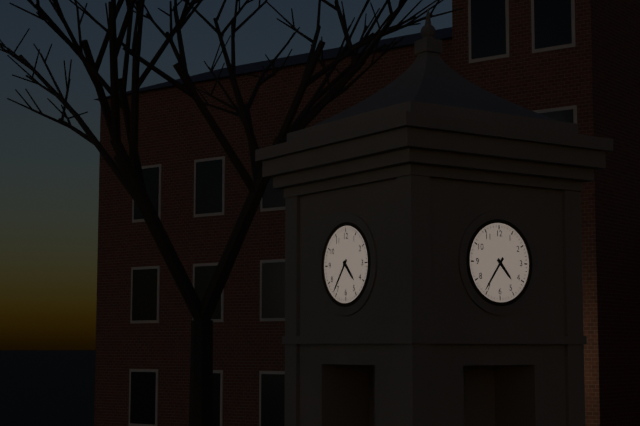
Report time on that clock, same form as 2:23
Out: 4:36
